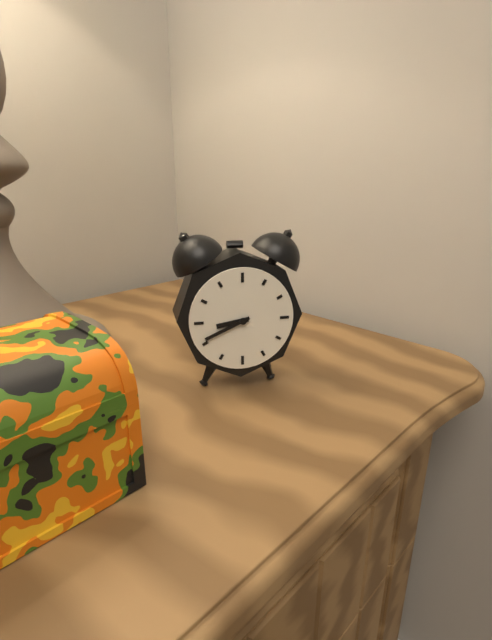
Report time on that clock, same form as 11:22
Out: 8:41
